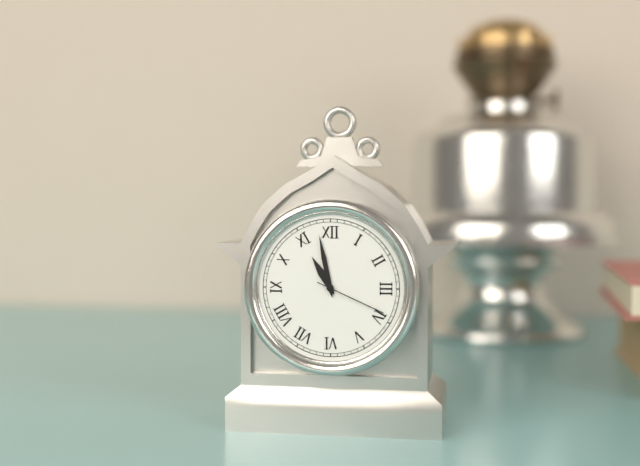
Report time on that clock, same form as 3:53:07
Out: 10:58:19
